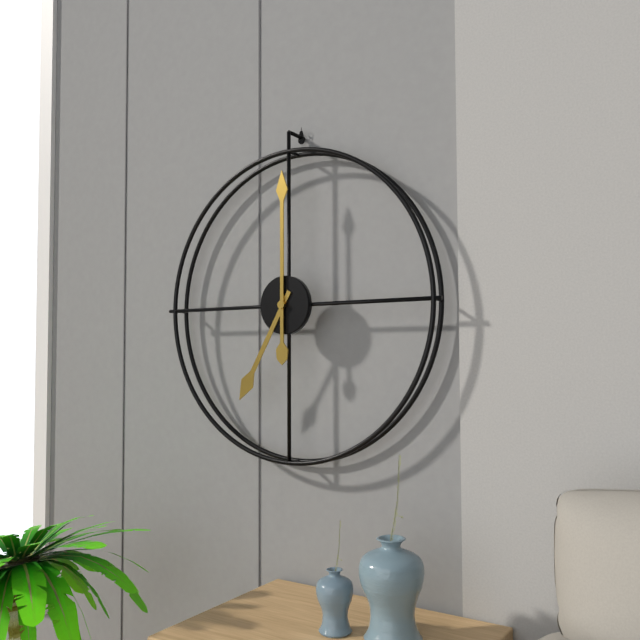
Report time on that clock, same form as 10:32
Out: 7:00
